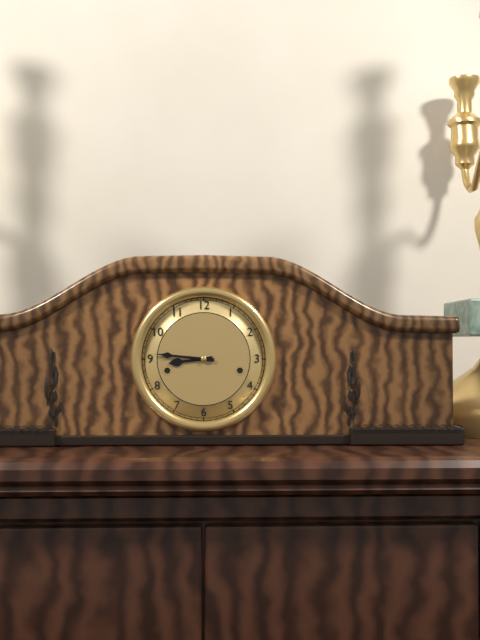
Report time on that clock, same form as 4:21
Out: 8:46
